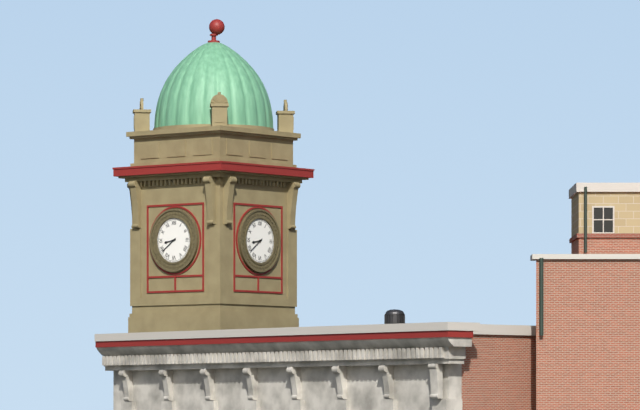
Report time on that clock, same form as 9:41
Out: 8:39
